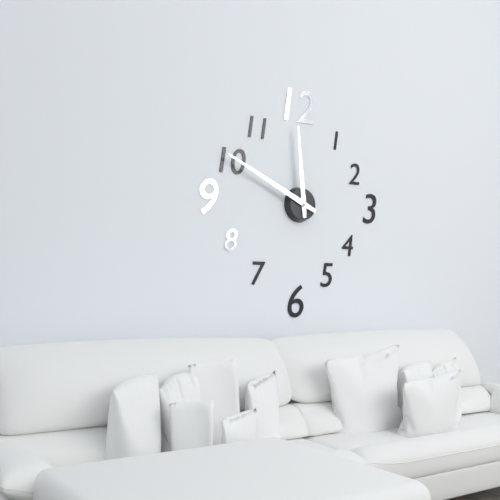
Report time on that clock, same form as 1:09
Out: 11:49
